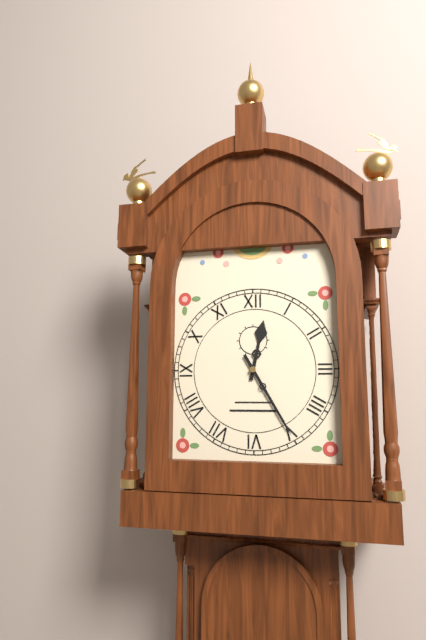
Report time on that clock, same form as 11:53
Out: 12:25
